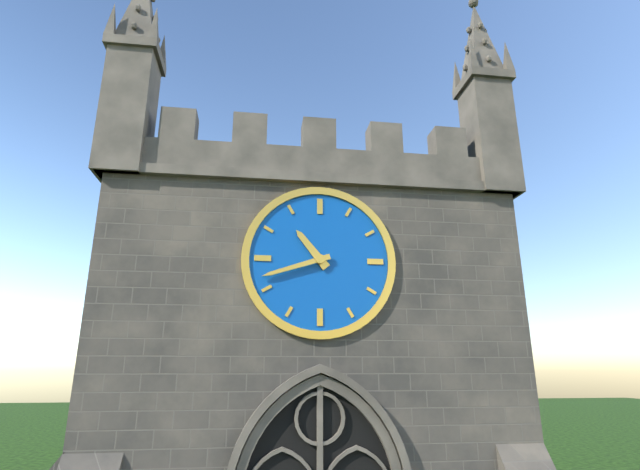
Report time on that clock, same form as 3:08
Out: 10:42
